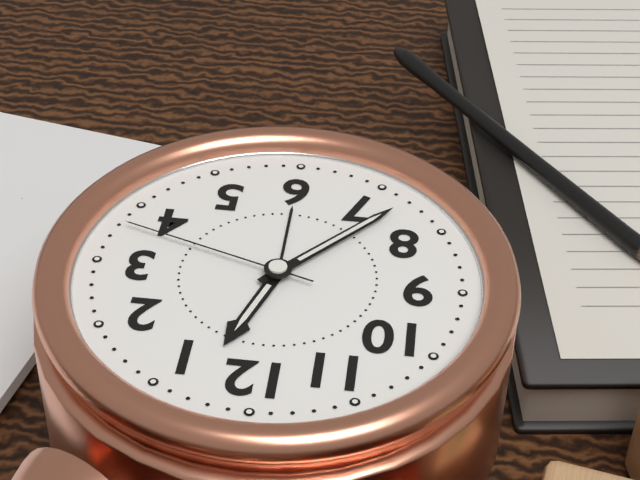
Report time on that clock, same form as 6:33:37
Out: 12:37:18
